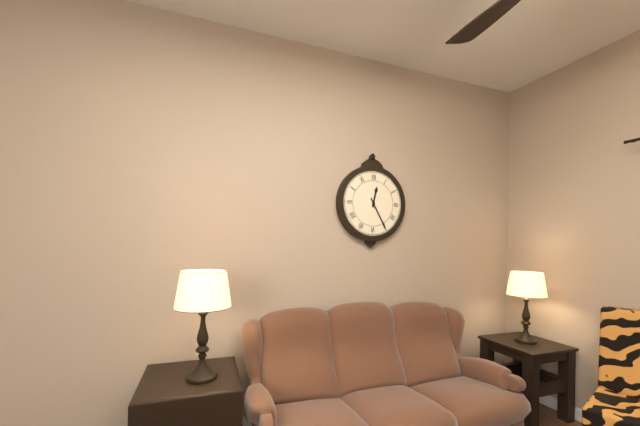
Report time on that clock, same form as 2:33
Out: 12:25
